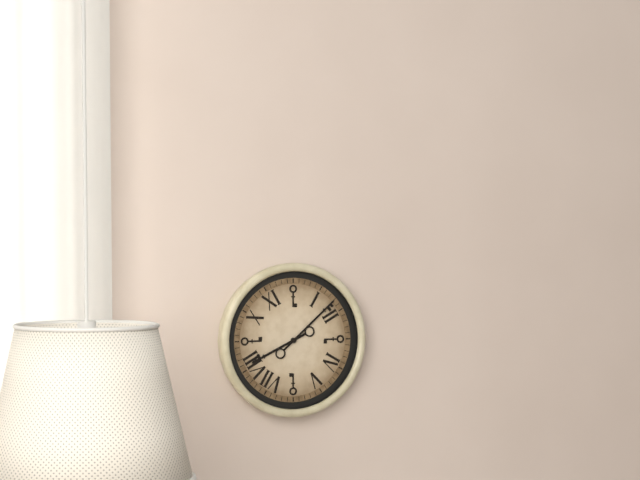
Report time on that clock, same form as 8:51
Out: 8:08
